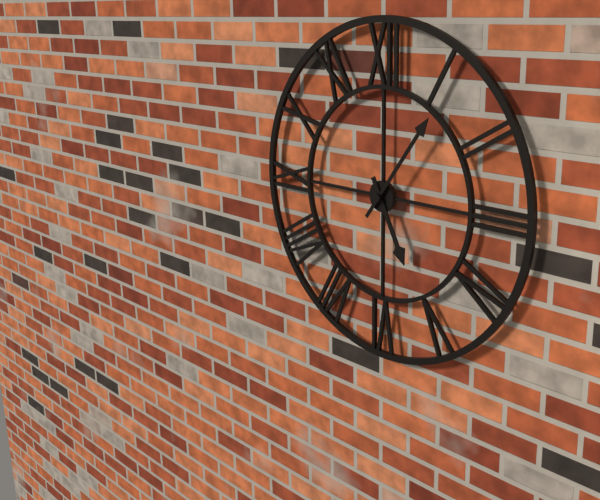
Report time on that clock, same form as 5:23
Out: 5:06
